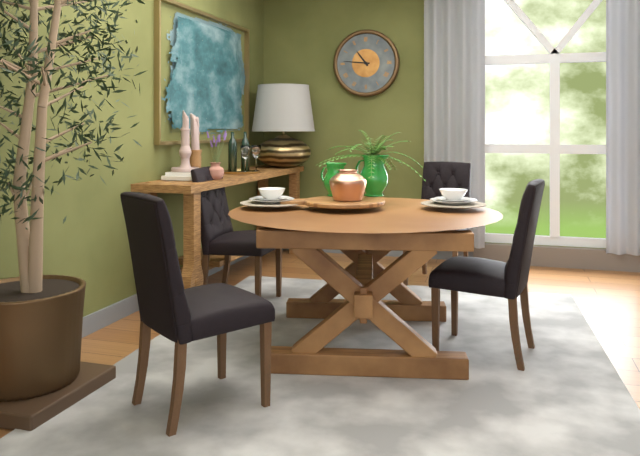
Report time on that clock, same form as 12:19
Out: 10:46
